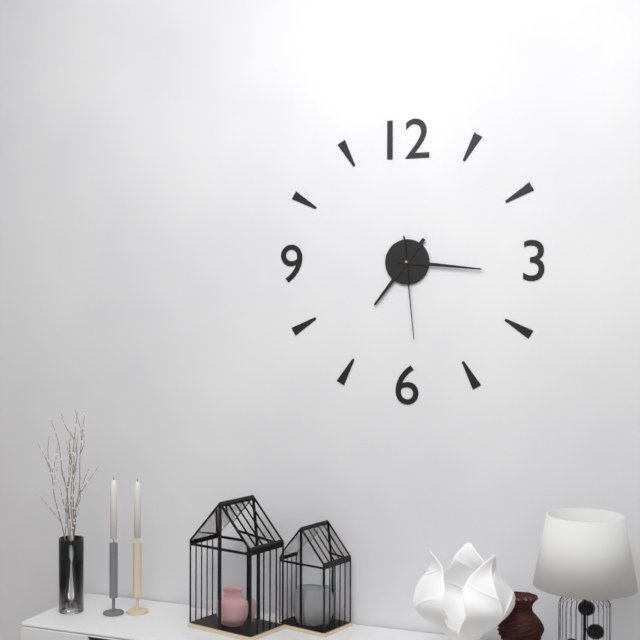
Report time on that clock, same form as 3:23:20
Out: 7:16:29
